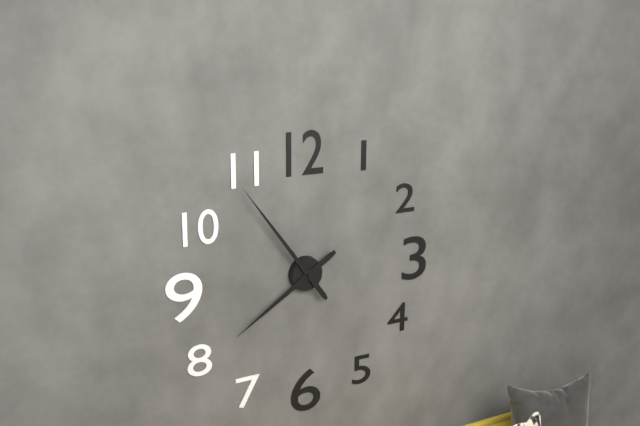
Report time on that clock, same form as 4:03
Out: 7:54
